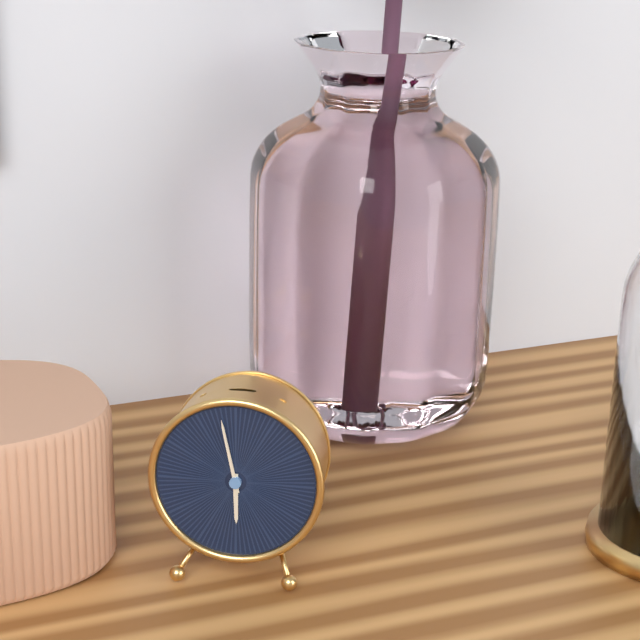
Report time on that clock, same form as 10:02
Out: 5:58
